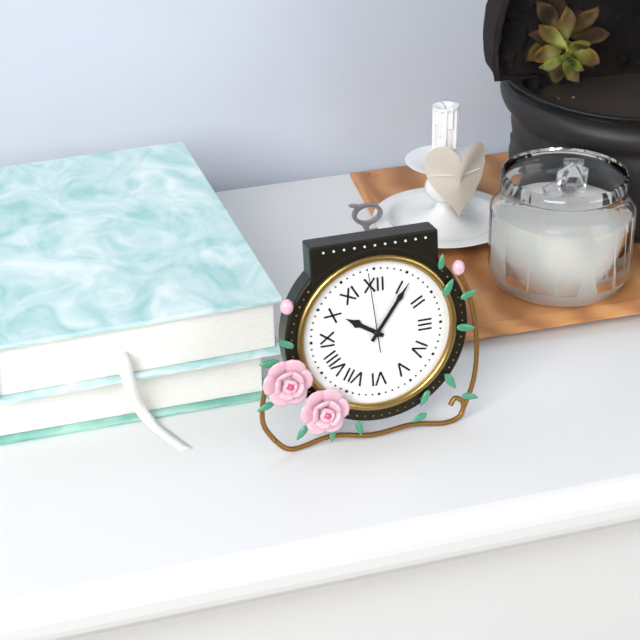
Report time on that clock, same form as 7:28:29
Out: 10:06:59
